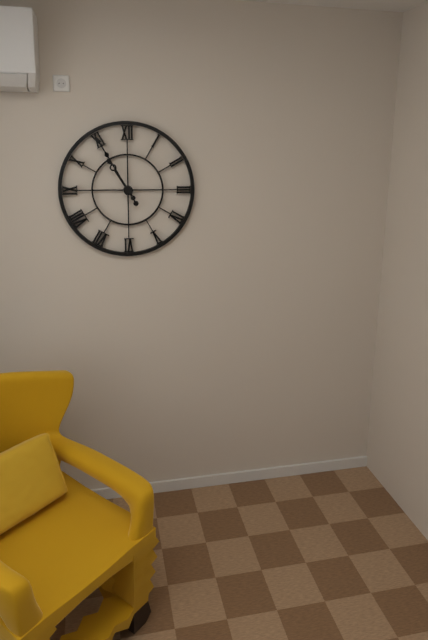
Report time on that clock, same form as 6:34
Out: 10:55
